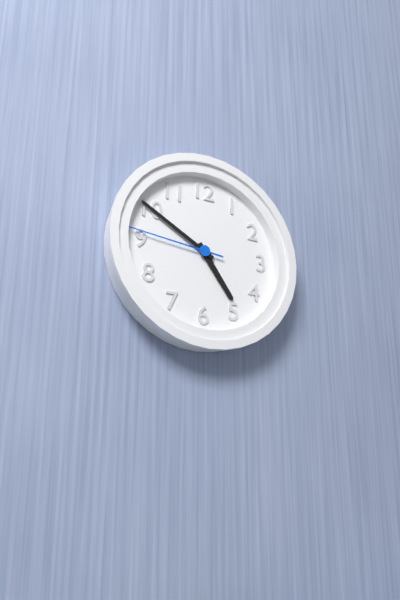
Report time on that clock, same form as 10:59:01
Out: 4:50:46
